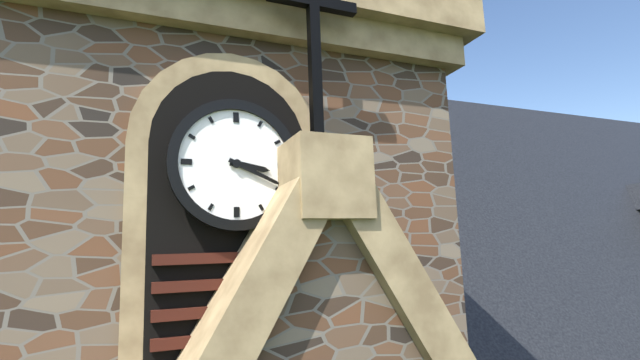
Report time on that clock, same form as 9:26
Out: 3:19
